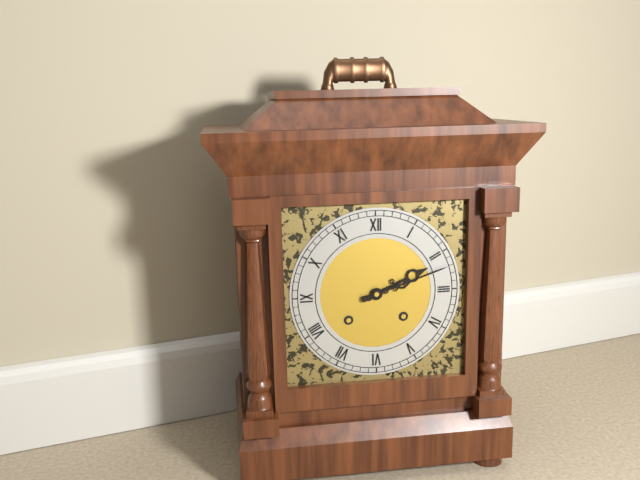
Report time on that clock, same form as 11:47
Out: 2:12
